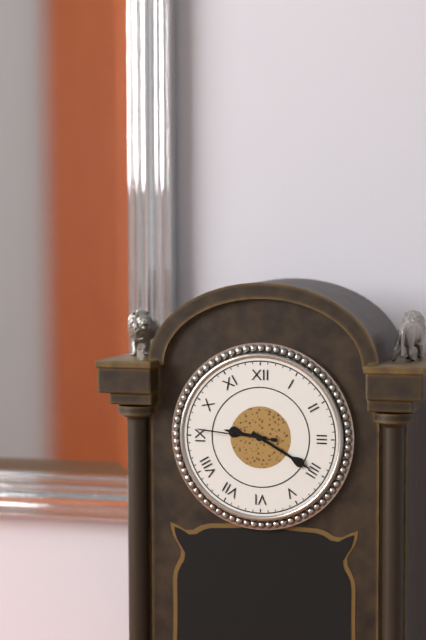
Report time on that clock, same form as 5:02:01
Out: 9:20:46
